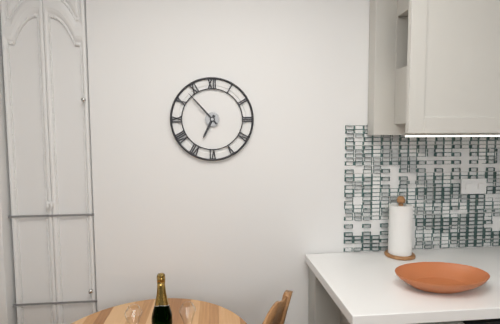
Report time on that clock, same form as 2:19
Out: 6:53
